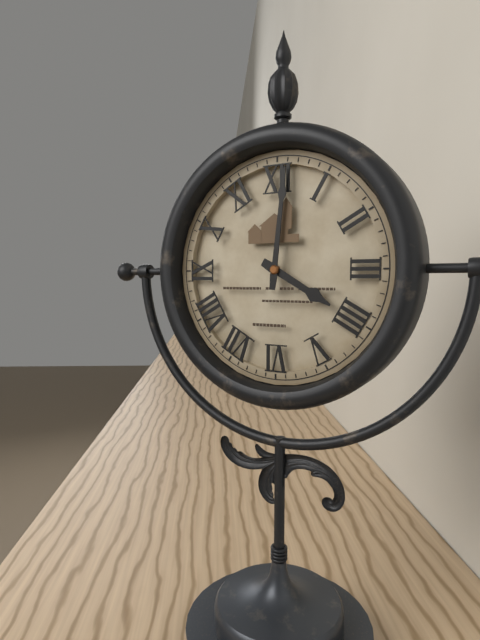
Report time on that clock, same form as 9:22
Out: 4:01
